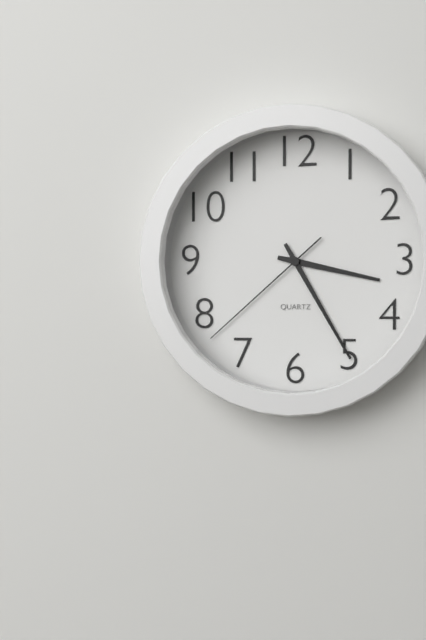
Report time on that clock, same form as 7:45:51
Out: 3:25:38
